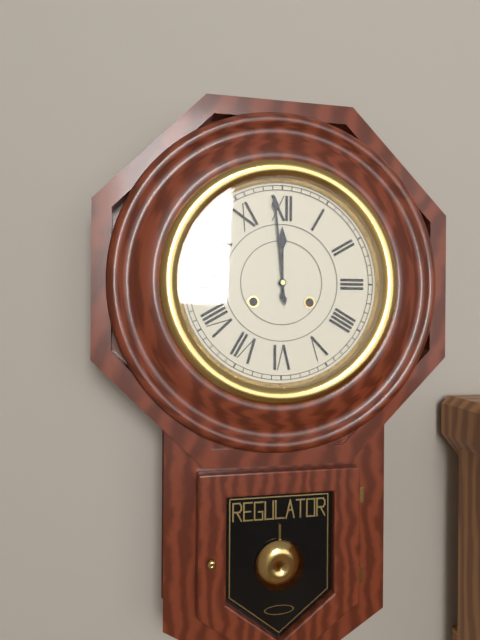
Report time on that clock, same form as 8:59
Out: 11:59
